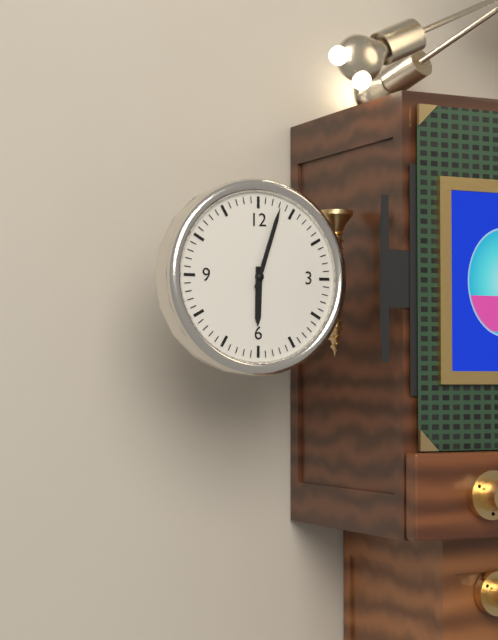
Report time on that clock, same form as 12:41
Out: 6:03
